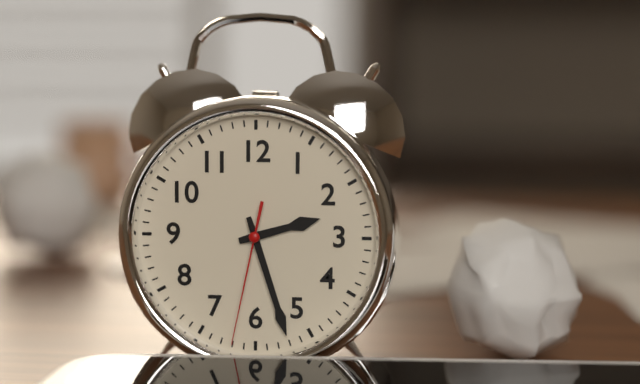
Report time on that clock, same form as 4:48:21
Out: 2:27:32
